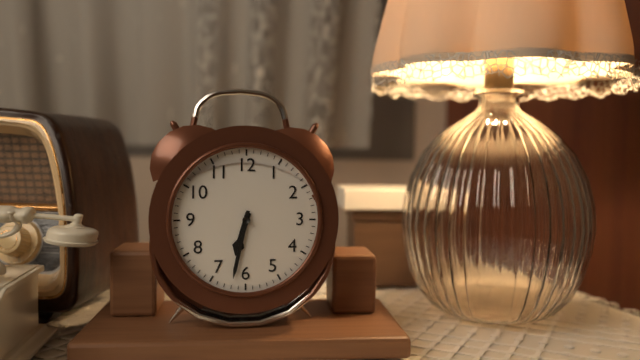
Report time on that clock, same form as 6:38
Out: 6:32
